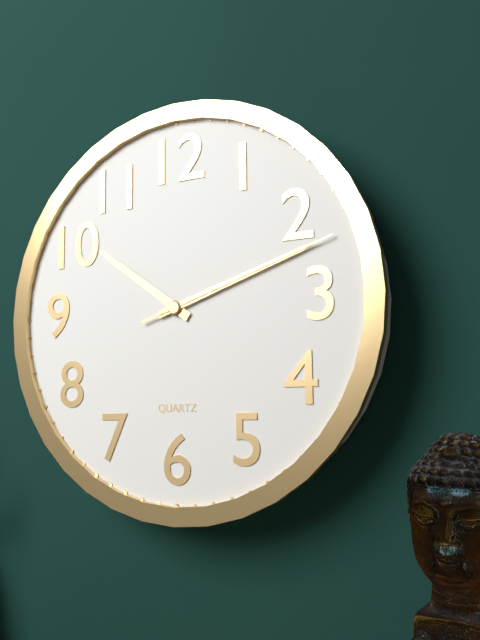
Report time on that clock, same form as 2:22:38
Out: 10:12:12
